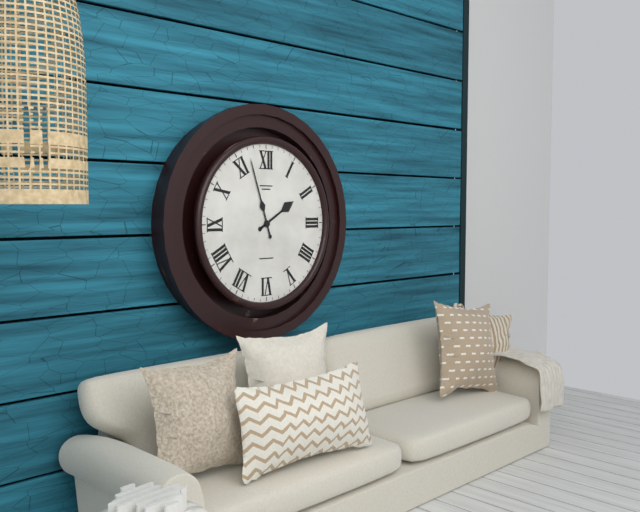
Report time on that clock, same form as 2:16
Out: 1:57
